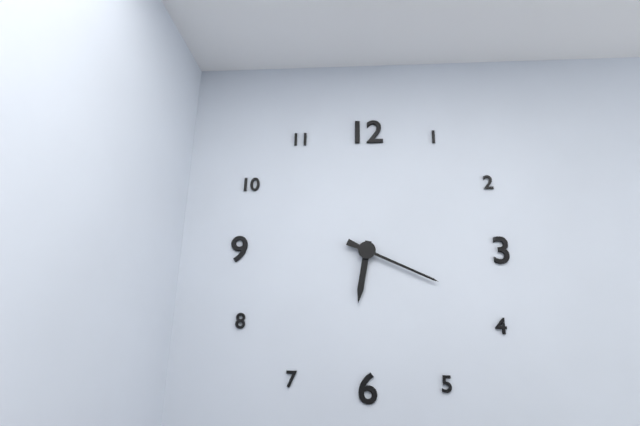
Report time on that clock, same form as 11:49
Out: 6:19
